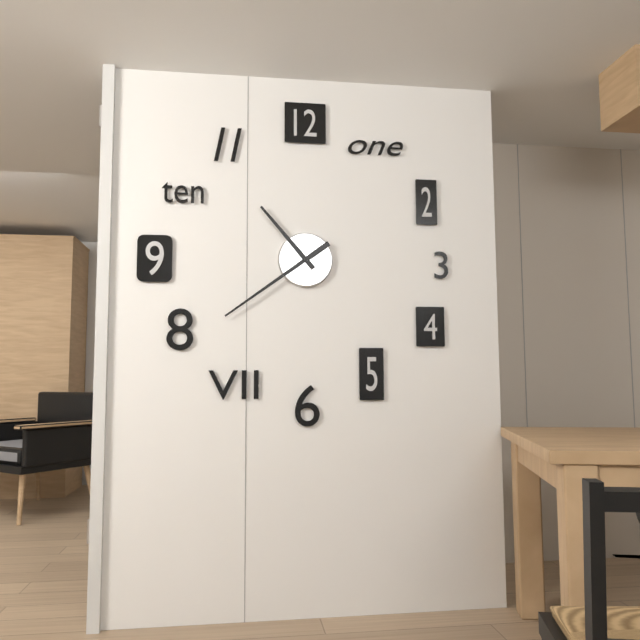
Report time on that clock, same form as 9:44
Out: 10:39
